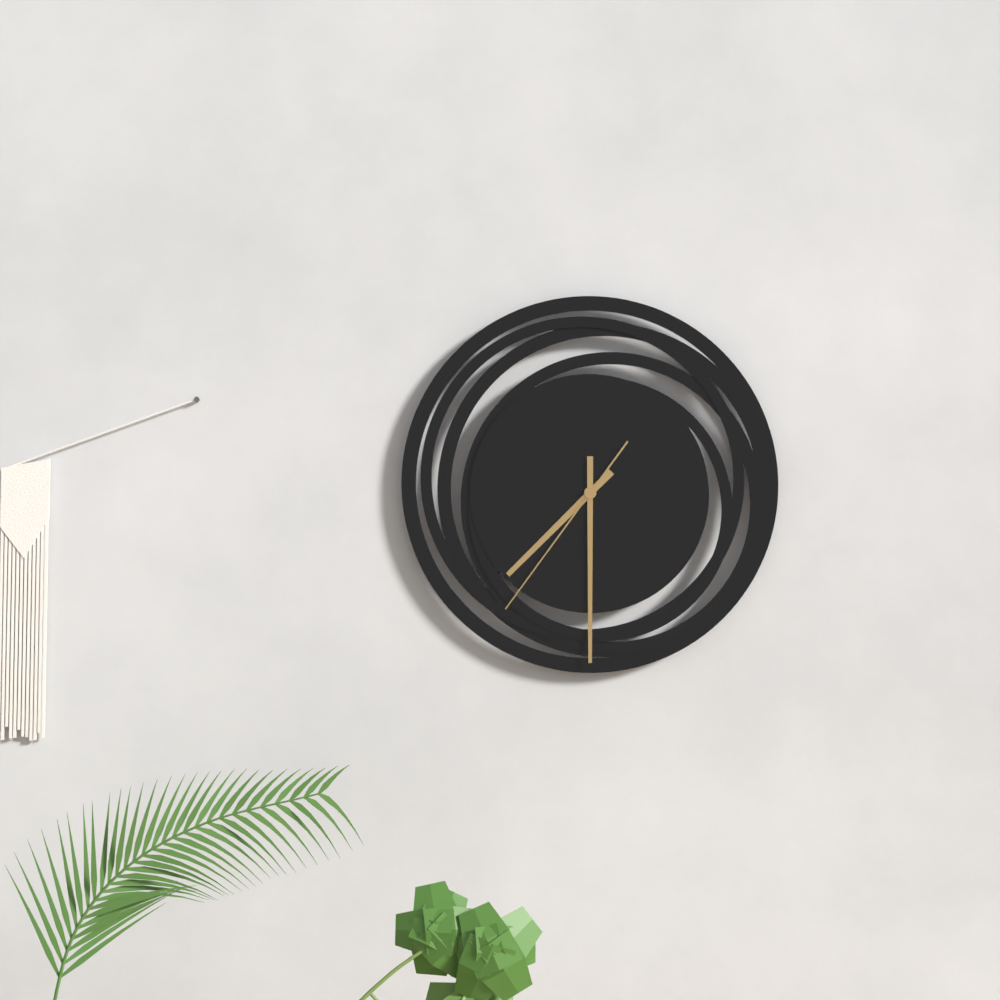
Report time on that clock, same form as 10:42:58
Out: 7:30:36
